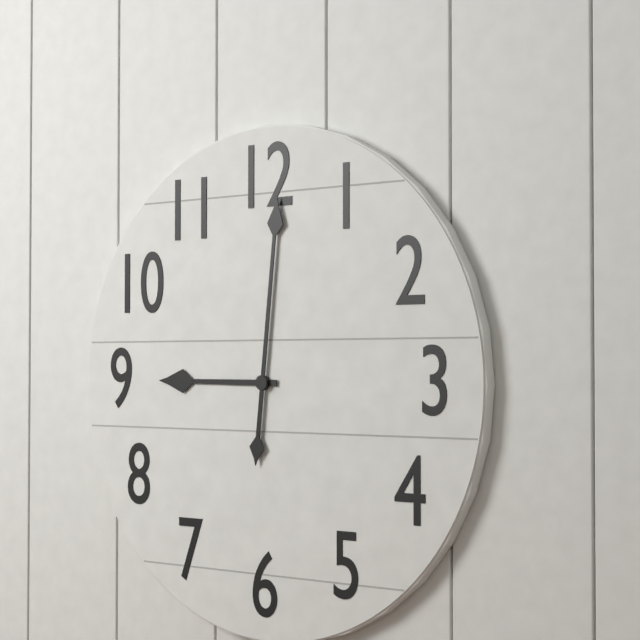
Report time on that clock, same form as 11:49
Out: 9:01
